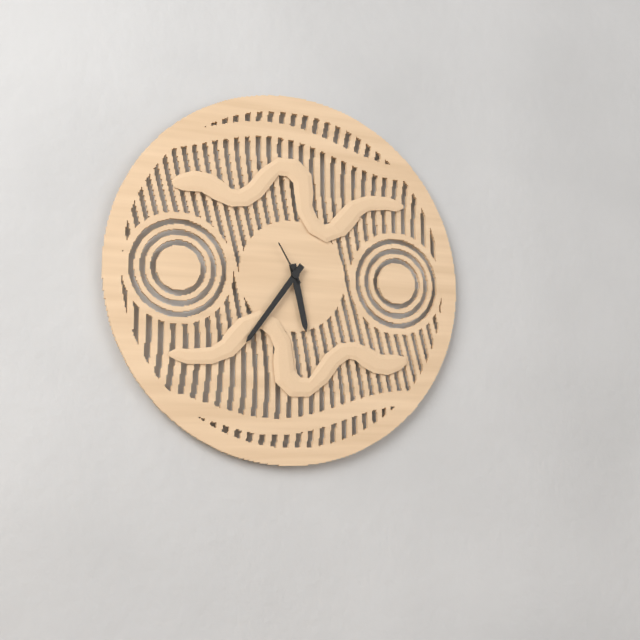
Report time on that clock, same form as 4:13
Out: 5:36
